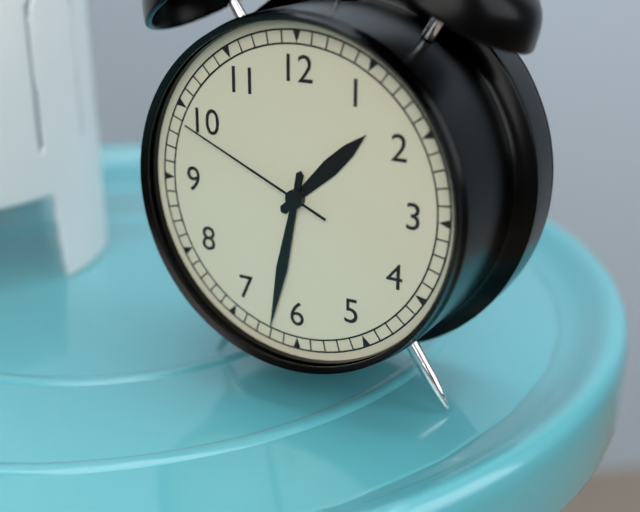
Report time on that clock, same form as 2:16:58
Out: 1:32:49
